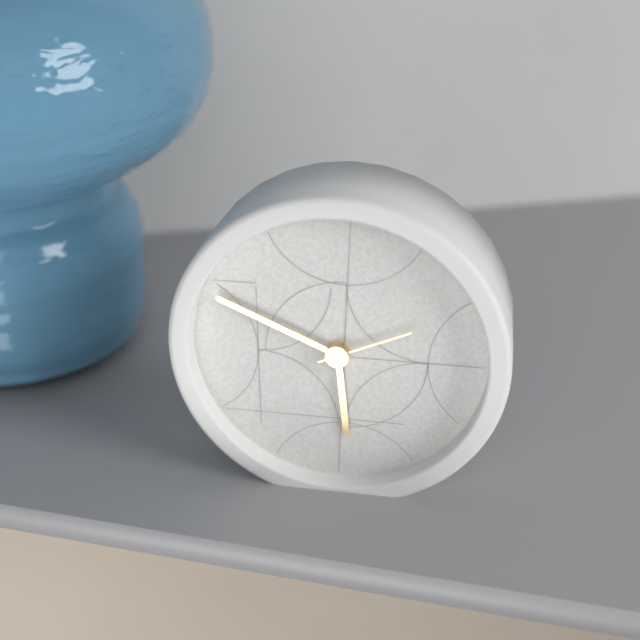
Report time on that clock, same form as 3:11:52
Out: 5:49:11
